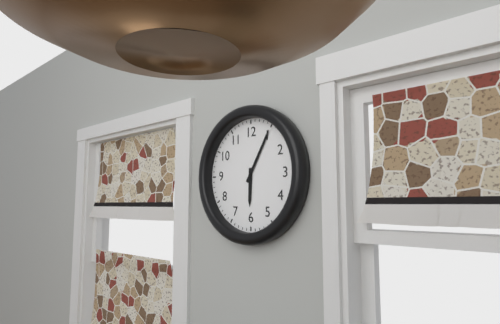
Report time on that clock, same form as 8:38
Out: 6:05
